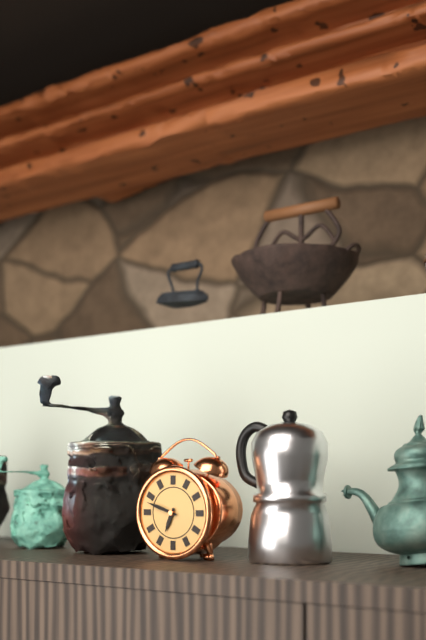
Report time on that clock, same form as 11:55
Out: 6:48
